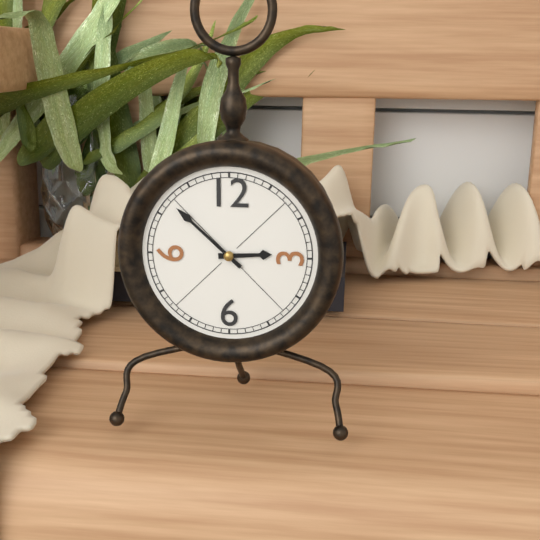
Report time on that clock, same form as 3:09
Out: 2:52
